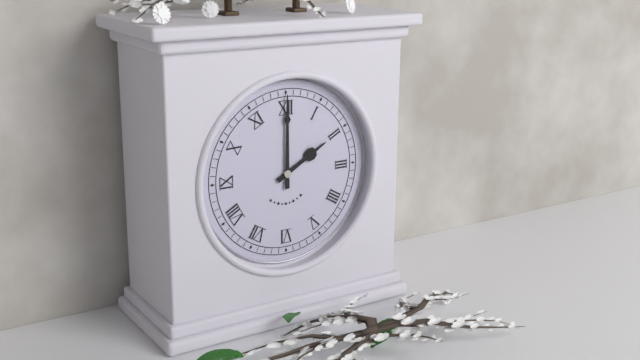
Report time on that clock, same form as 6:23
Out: 2:00
